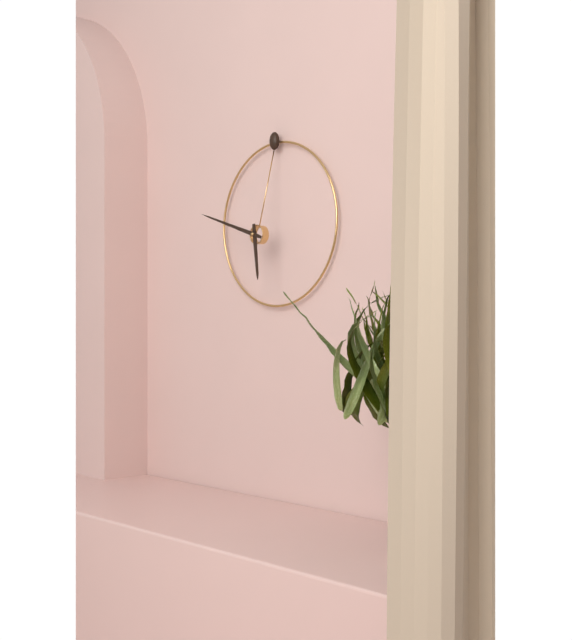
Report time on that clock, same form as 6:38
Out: 5:48
